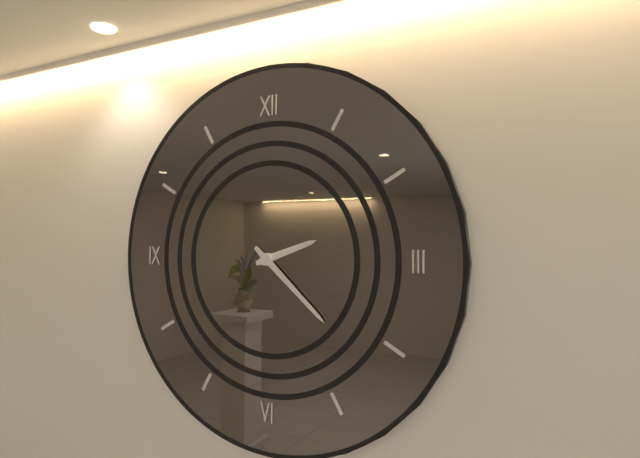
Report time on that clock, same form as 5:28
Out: 2:22
